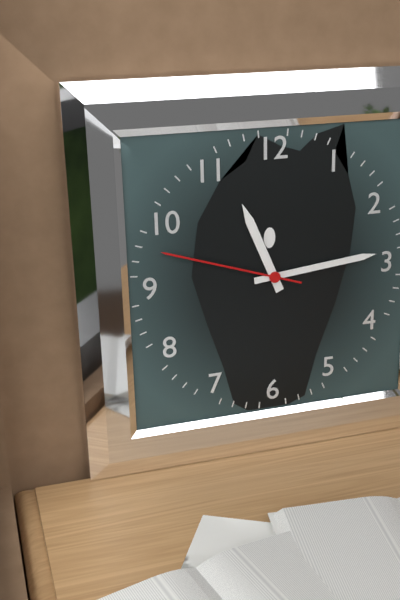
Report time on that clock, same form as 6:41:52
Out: 11:14:48
